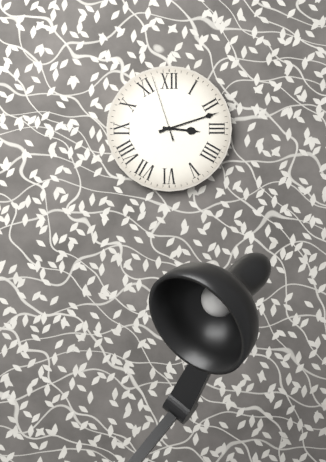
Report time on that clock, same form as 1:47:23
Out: 3:12:57
